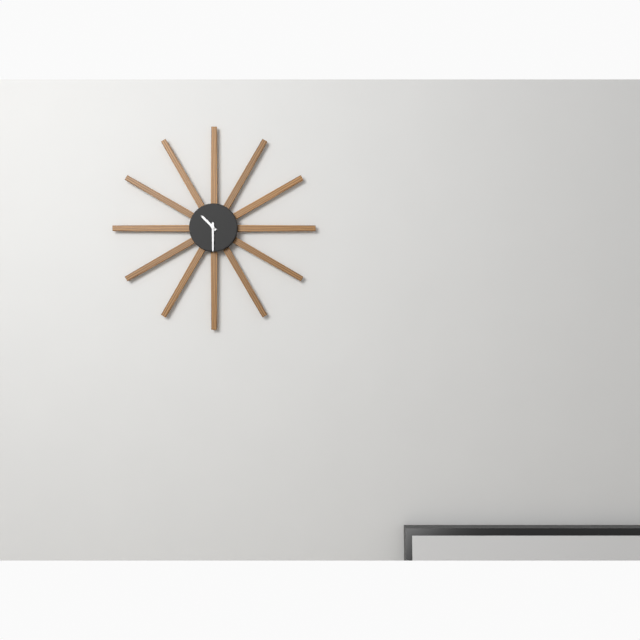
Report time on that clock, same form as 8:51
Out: 10:30
